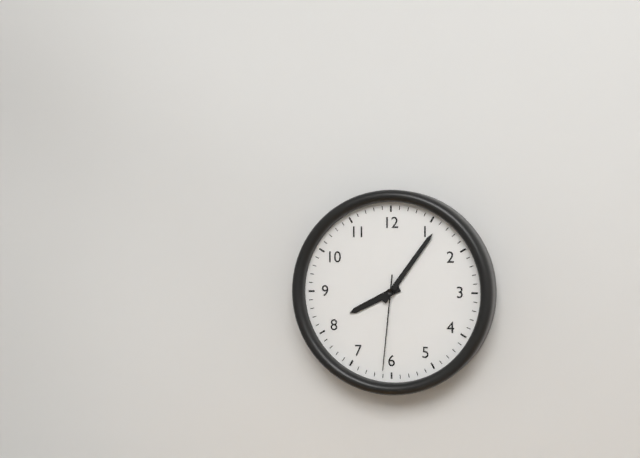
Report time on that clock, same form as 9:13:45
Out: 8:06:31
